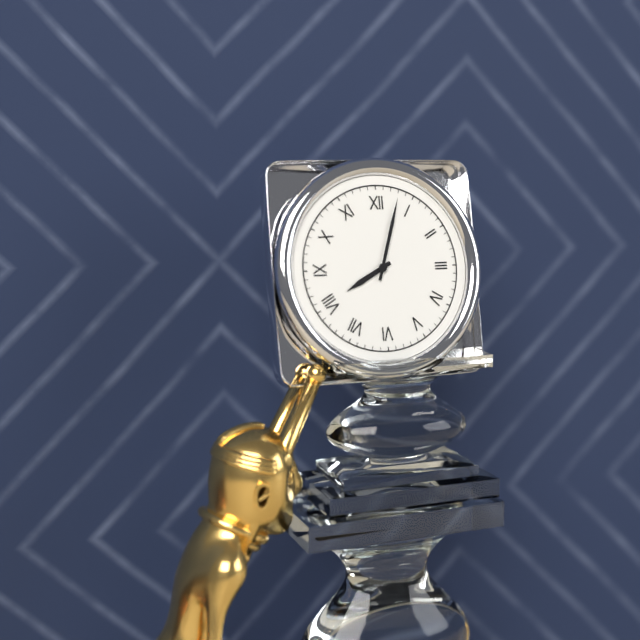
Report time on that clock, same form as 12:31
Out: 8:03
